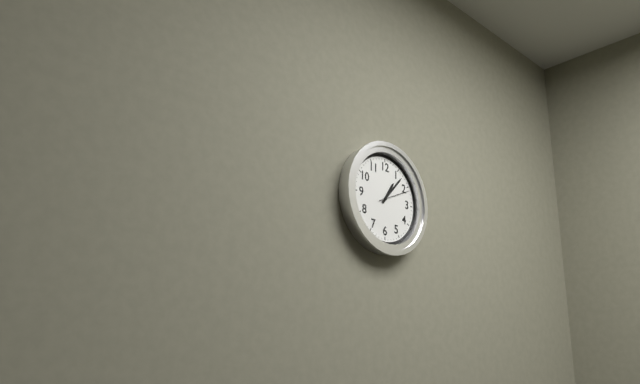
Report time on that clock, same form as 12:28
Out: 1:07
